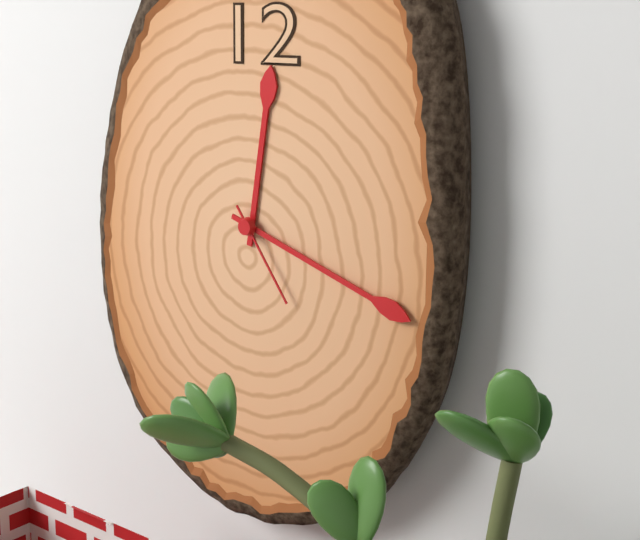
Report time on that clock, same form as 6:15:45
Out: 12:18:24
